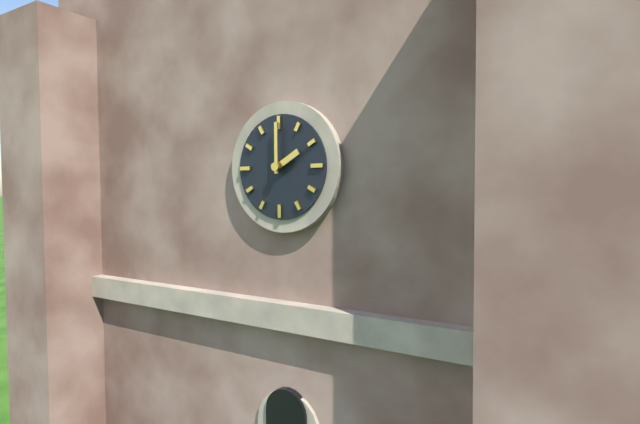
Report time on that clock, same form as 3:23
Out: 2:00
